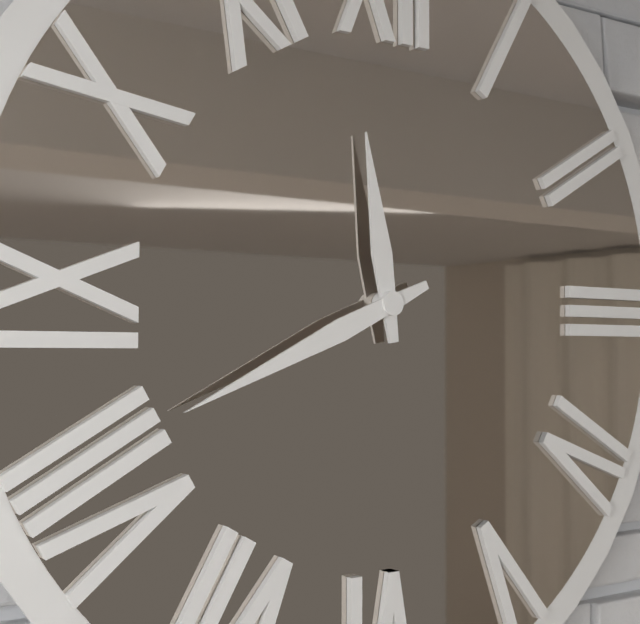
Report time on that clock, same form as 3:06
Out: 11:41
